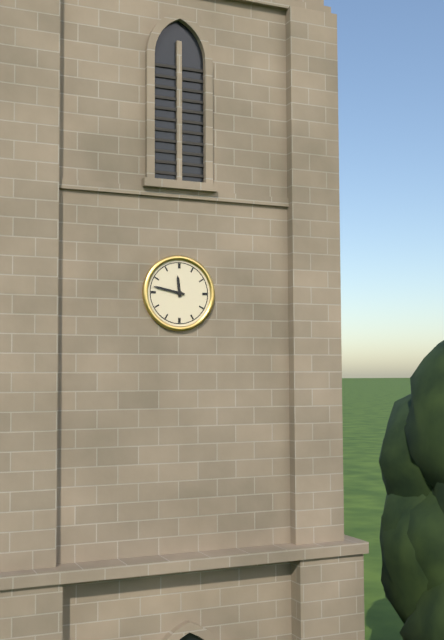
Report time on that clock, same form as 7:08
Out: 11:47
